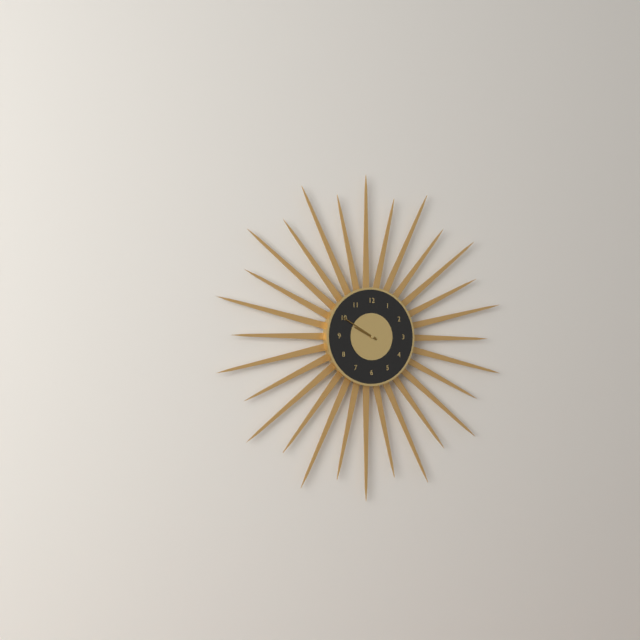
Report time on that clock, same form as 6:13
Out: 9:50
